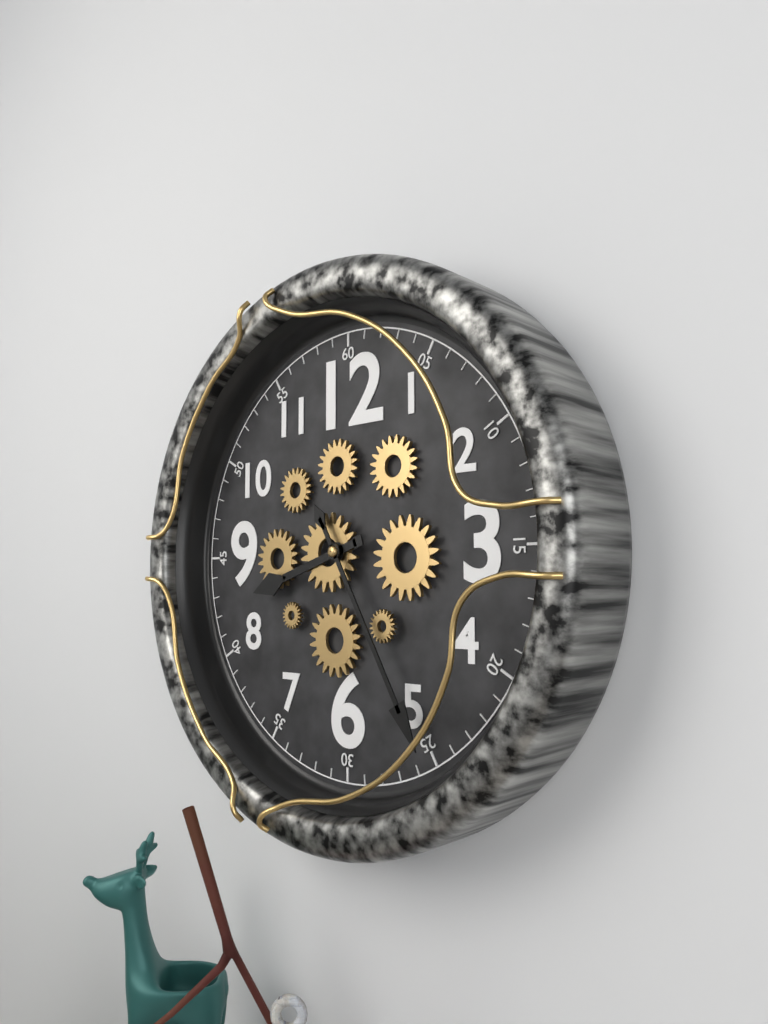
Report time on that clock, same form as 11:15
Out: 8:25
